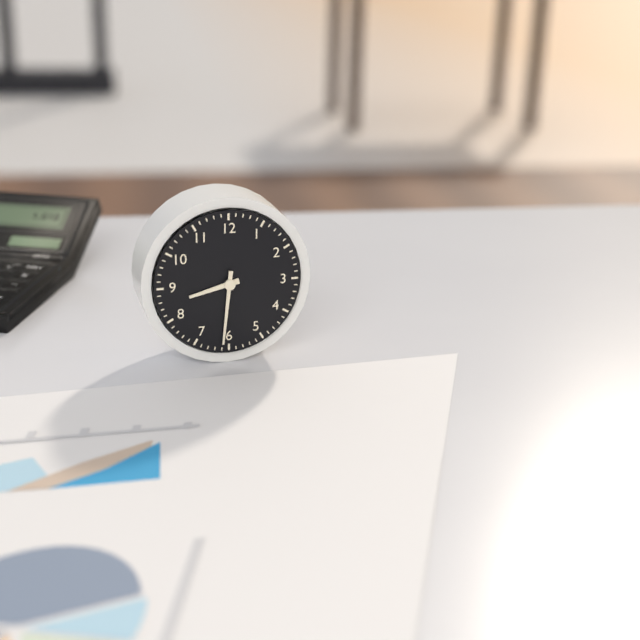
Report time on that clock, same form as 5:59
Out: 8:31
